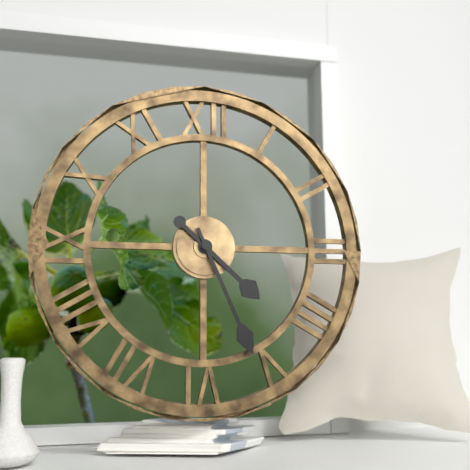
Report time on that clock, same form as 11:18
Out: 4:26
